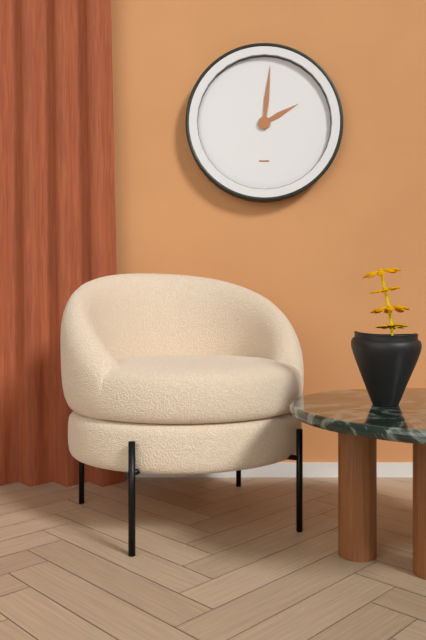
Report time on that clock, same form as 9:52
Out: 2:01
